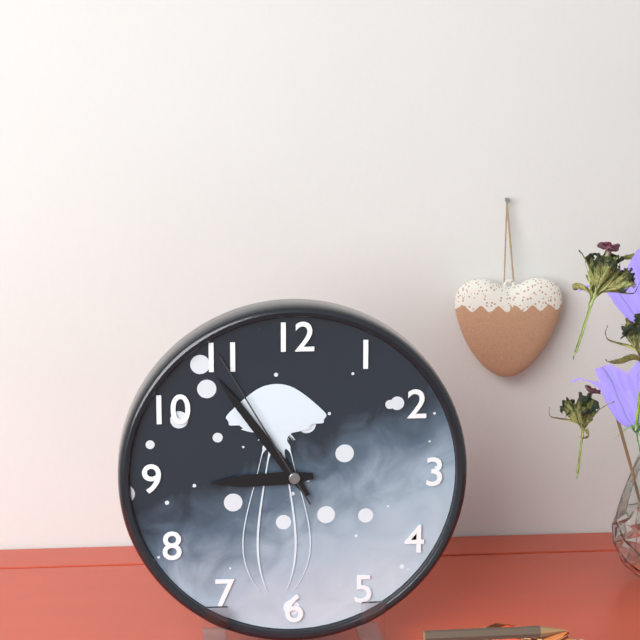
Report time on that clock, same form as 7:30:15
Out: 8:54:55
